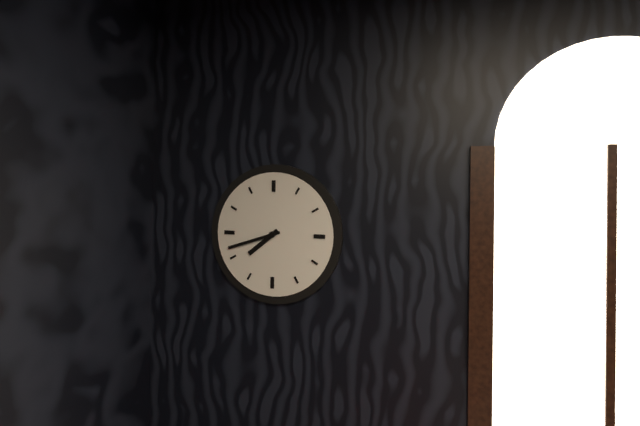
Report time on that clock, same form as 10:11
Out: 7:42
